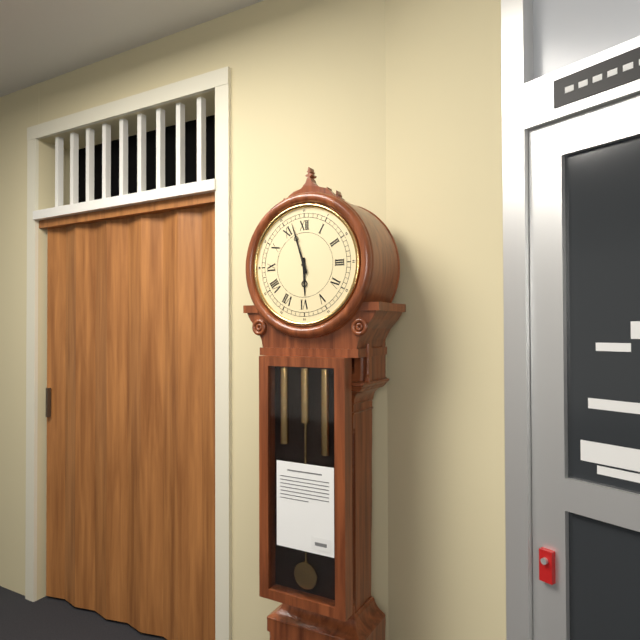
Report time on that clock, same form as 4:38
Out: 5:57
